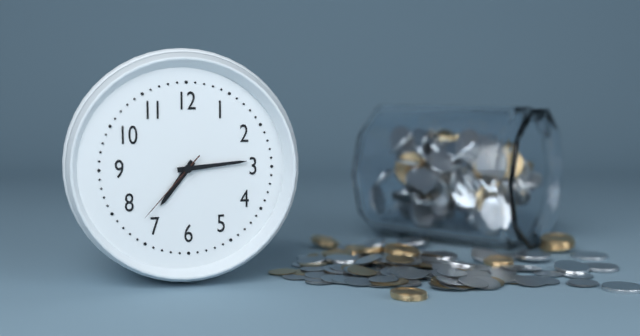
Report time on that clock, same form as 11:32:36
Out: 7:14:37
